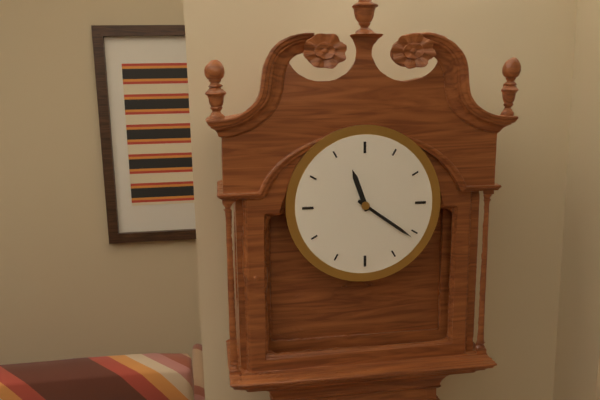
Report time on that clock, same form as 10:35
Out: 11:21
